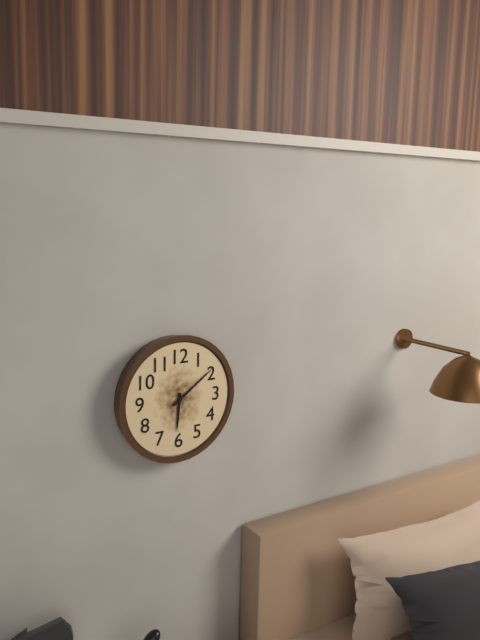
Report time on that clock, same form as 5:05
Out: 6:09
